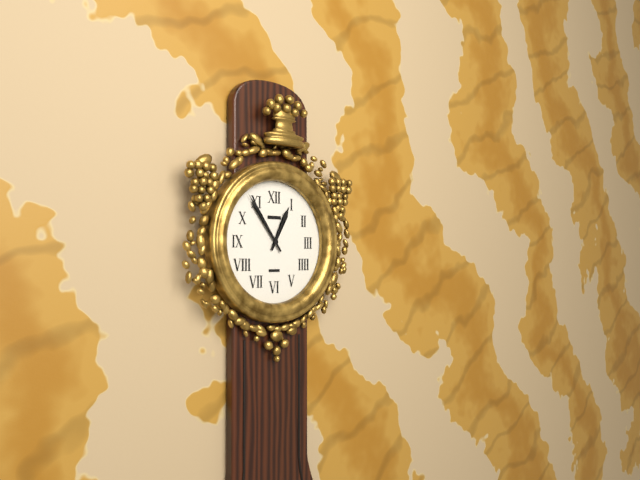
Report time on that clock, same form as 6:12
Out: 12:54
